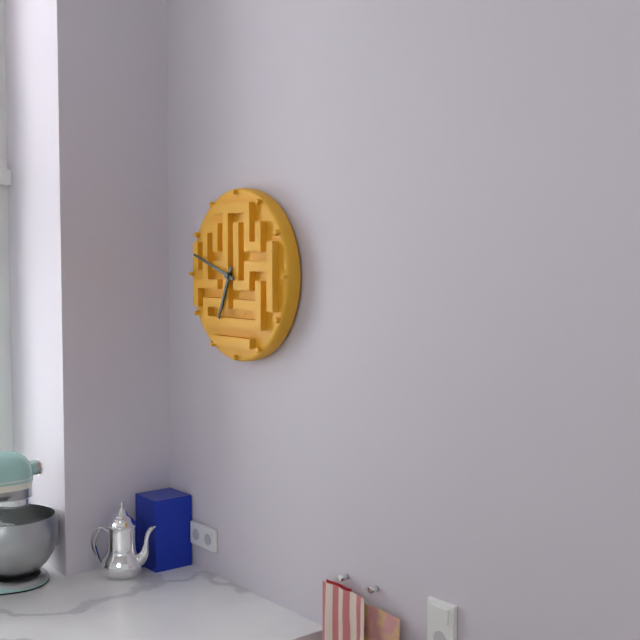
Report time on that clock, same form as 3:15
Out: 6:48
